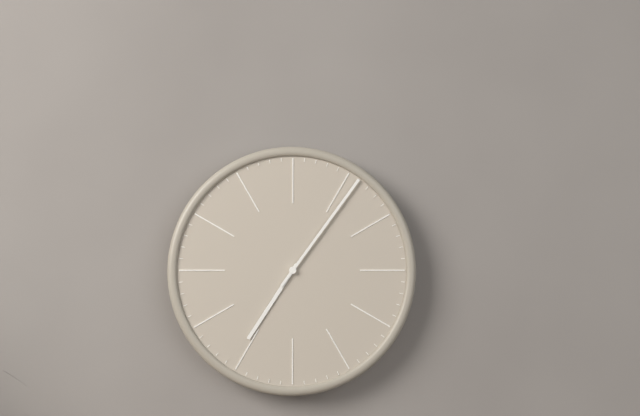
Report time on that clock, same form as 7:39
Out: 7:06
